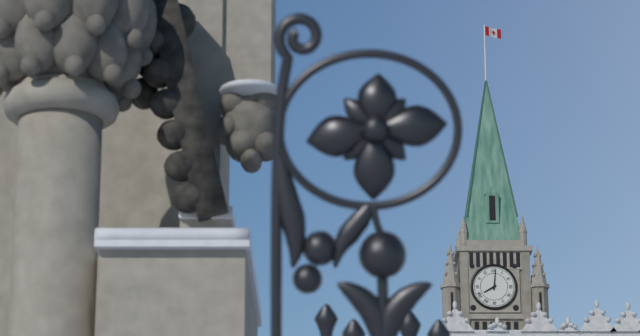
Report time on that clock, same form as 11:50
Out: 8:01
